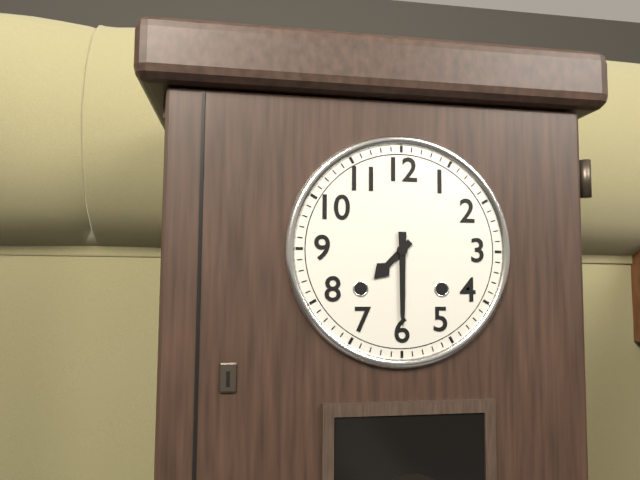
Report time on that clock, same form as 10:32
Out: 7:30
